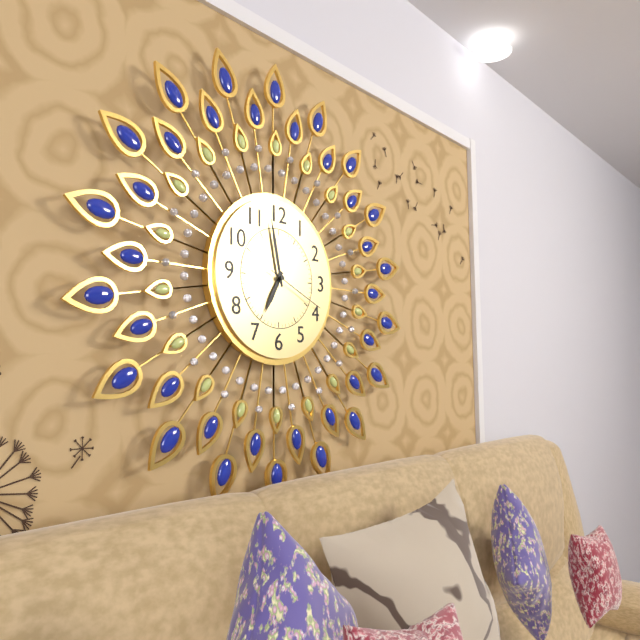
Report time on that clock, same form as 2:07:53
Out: 6:58:19
